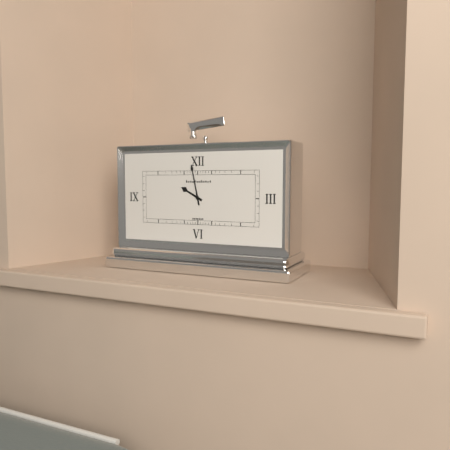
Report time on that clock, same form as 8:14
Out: 9:58
